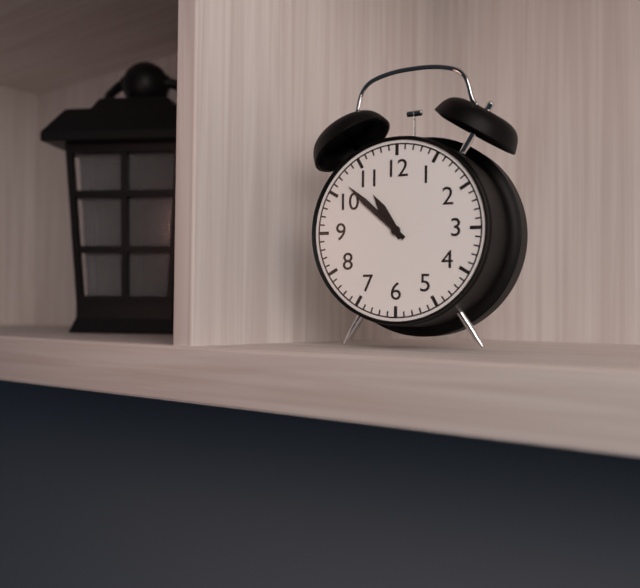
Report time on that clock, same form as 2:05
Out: 10:52
